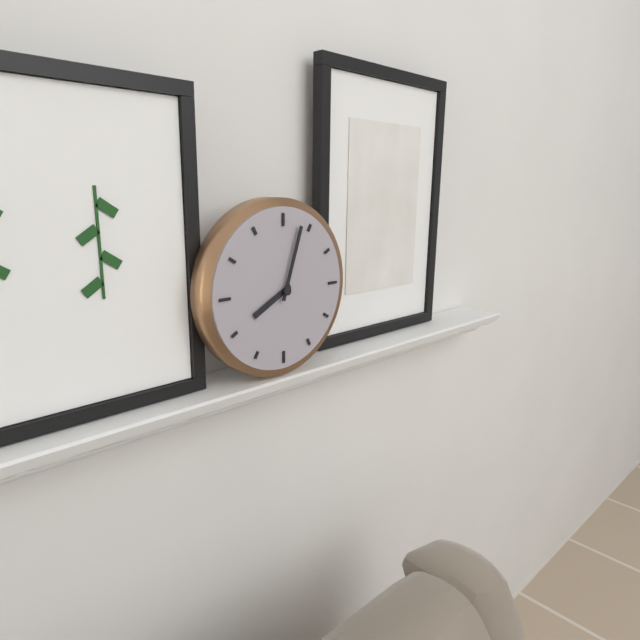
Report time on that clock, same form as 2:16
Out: 8:03
